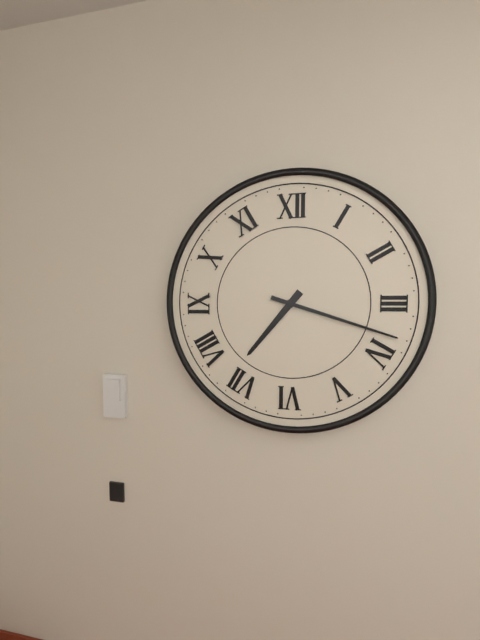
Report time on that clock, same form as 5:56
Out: 7:18
